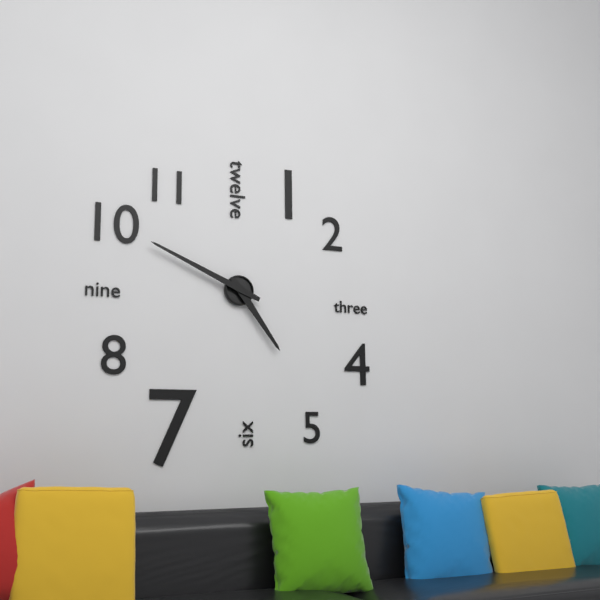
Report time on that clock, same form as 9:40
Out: 4:49
